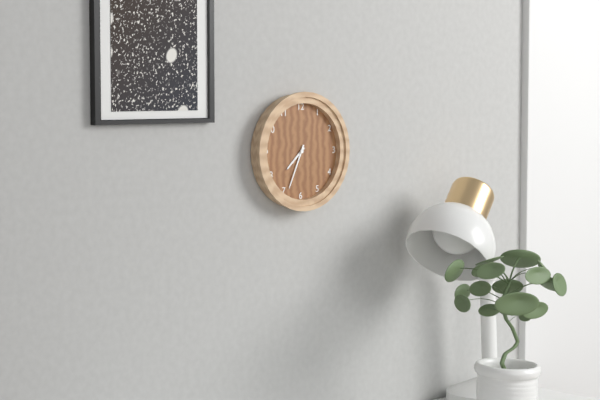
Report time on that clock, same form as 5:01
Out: 7:34
